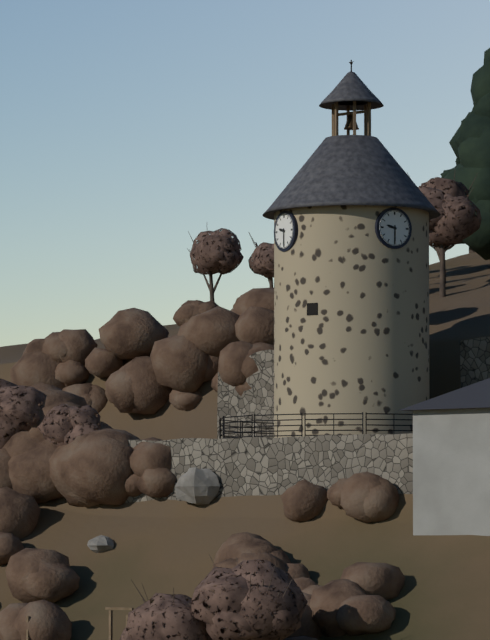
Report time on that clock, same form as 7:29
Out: 9:30
